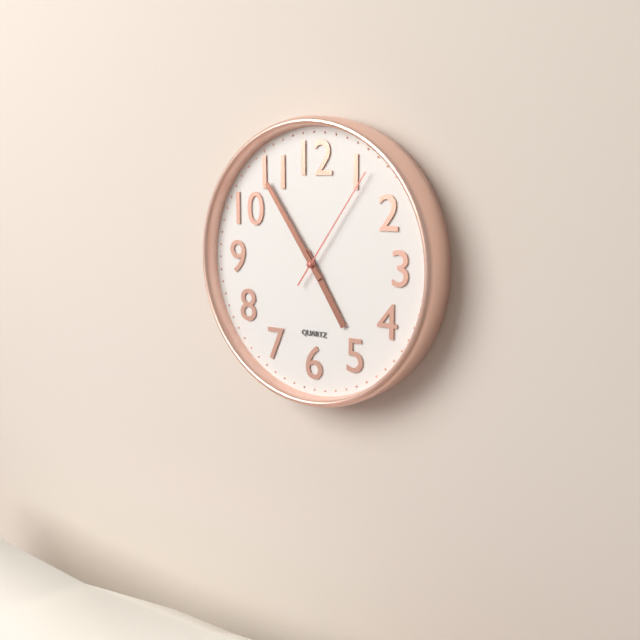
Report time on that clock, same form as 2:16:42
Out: 4:54:06
